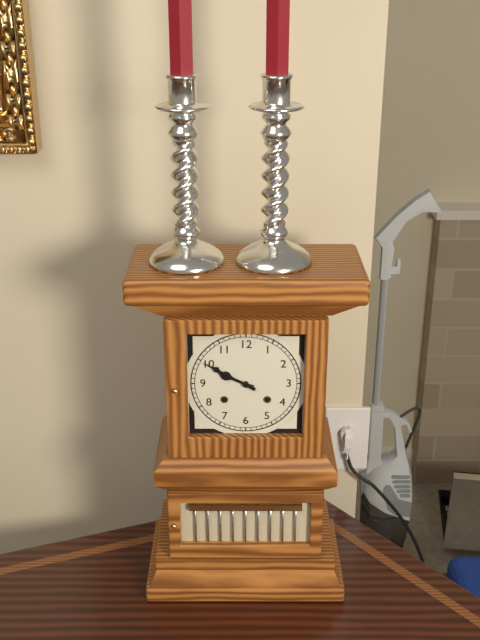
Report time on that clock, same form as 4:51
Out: 9:50
